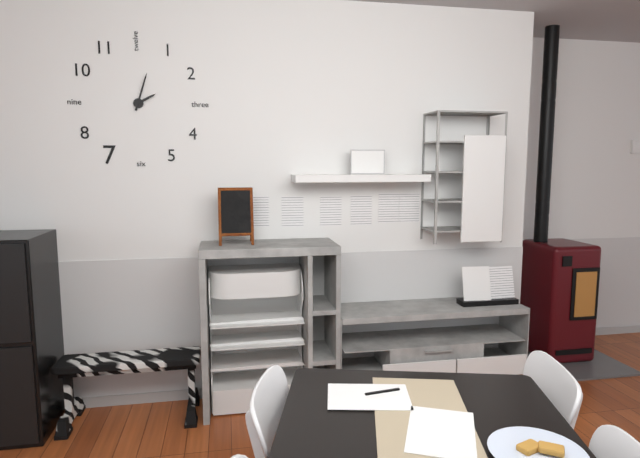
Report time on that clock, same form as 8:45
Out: 2:03
